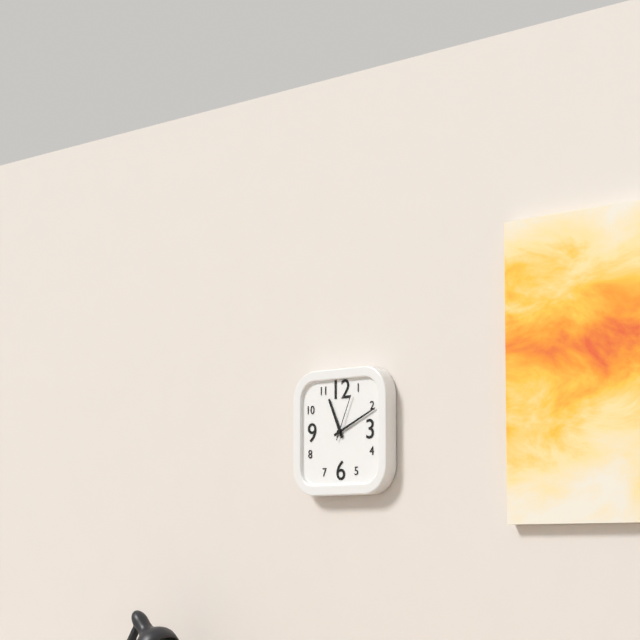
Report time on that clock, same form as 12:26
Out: 11:11
